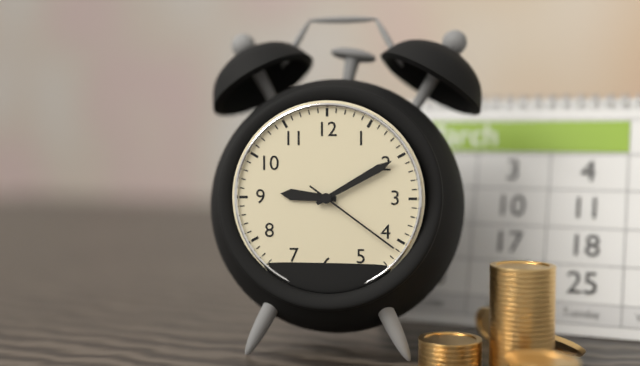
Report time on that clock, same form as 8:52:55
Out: 9:10:21
